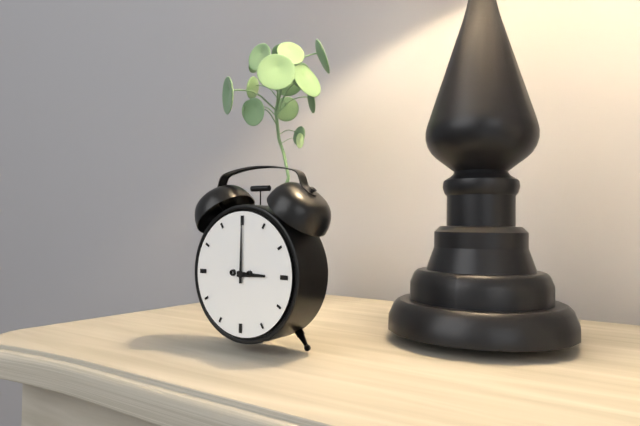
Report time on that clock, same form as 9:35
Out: 3:00
